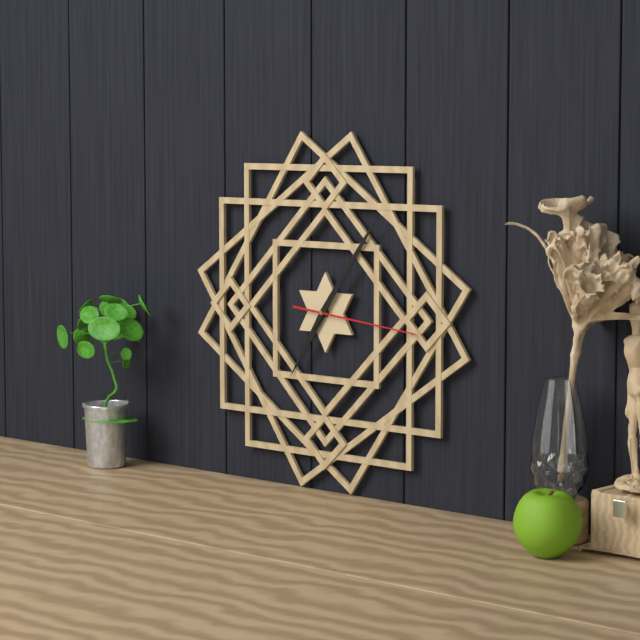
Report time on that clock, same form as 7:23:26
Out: 7:06:16
